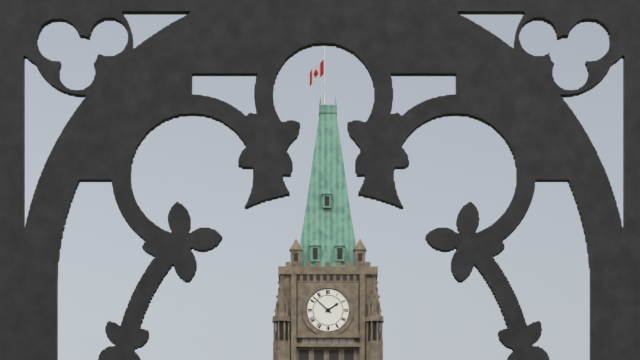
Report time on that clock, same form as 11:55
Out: 1:52
